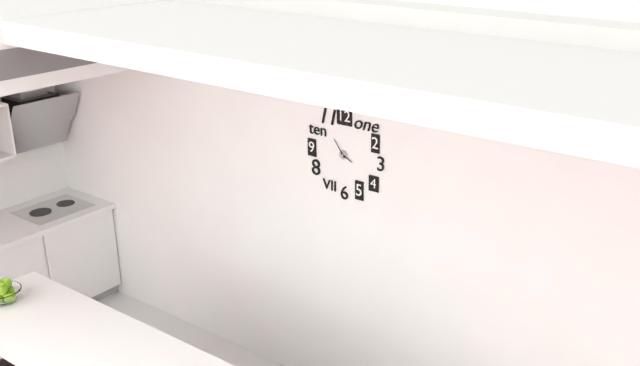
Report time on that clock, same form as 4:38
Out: 3:54
